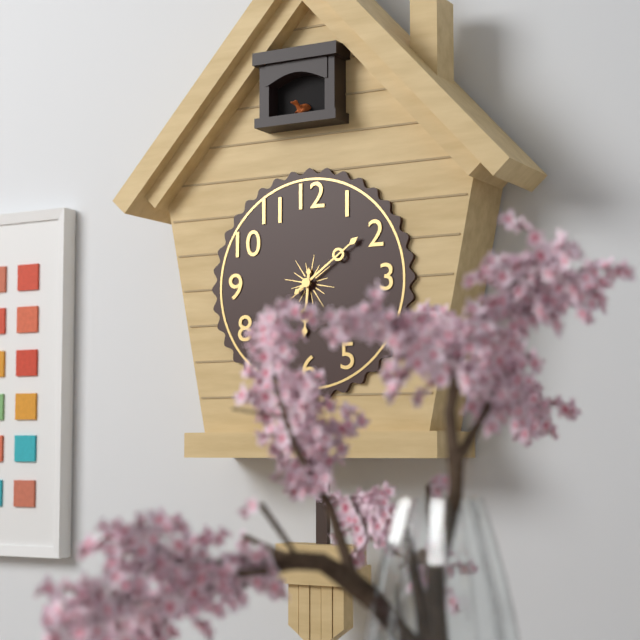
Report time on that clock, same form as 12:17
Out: 6:09
